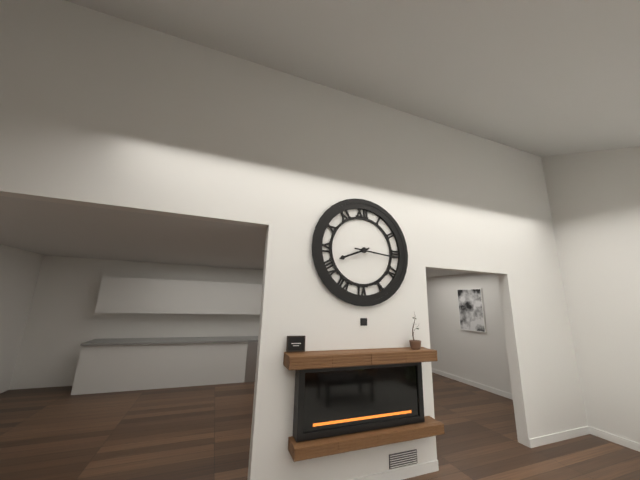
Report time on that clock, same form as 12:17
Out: 8:16
